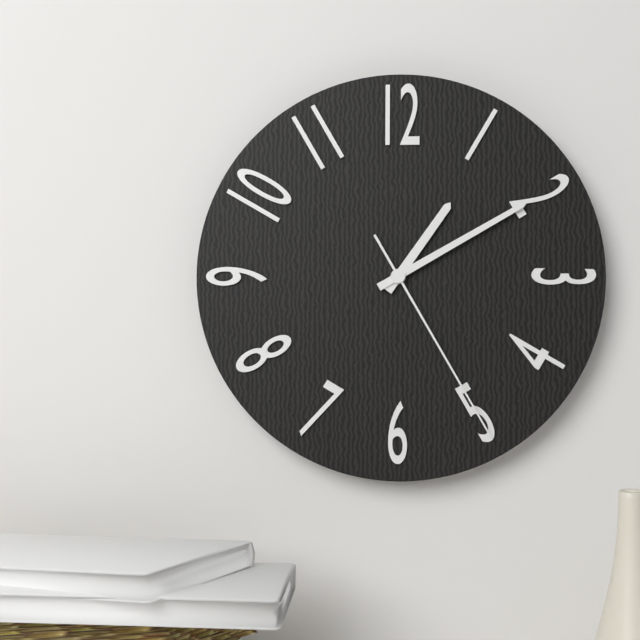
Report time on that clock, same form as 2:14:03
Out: 1:10:25
